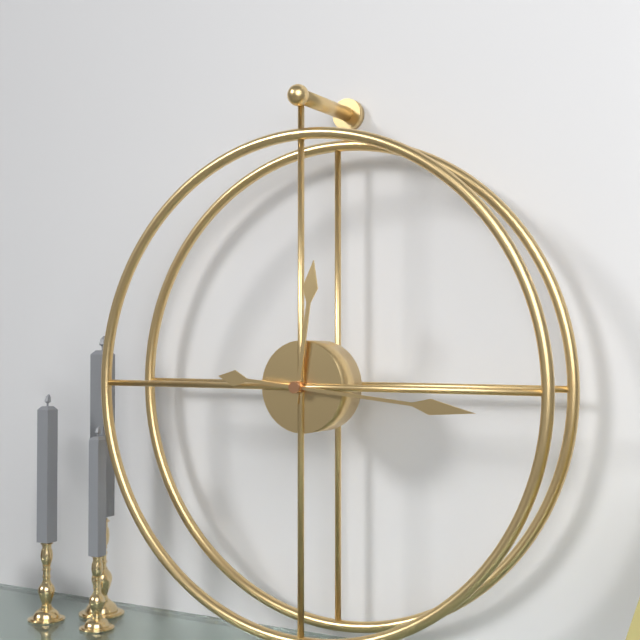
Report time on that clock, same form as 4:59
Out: 12:16
